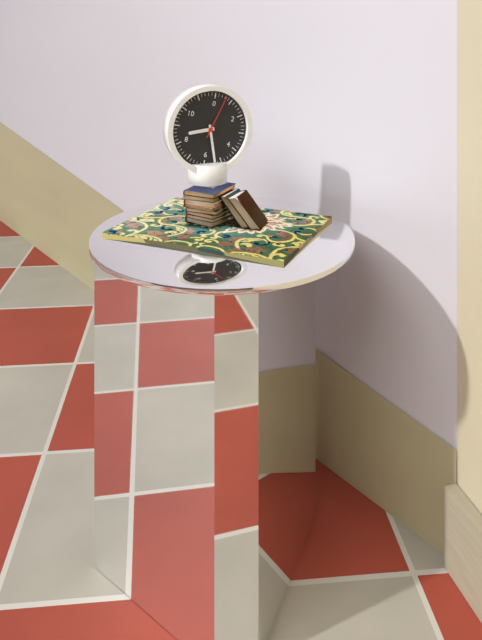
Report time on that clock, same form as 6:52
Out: 8:27
